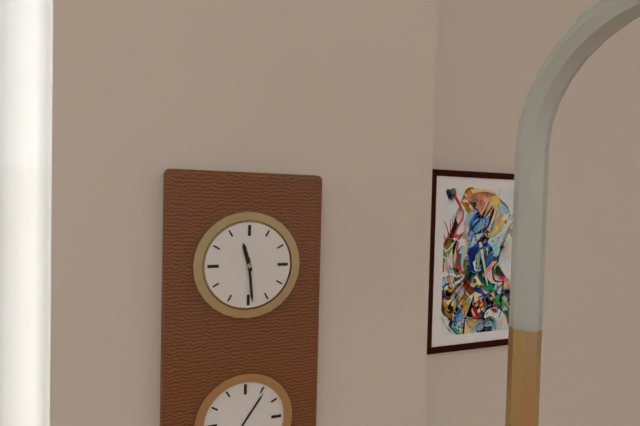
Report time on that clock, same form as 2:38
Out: 11:29
